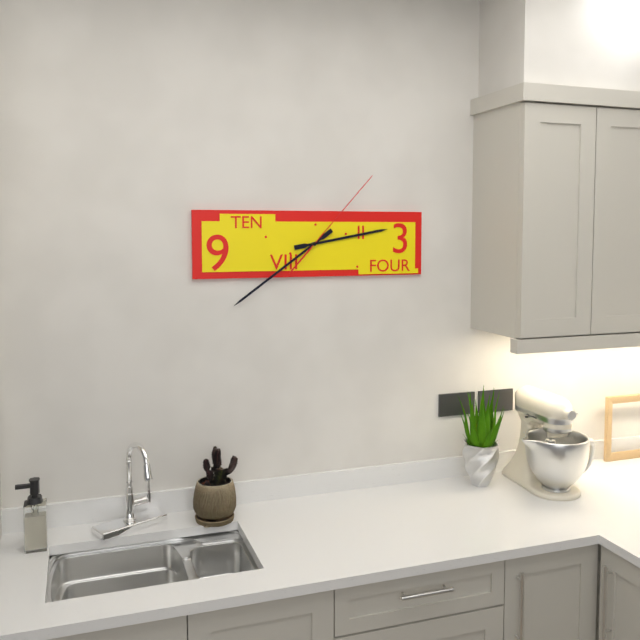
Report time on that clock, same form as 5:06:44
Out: 2:39:07
